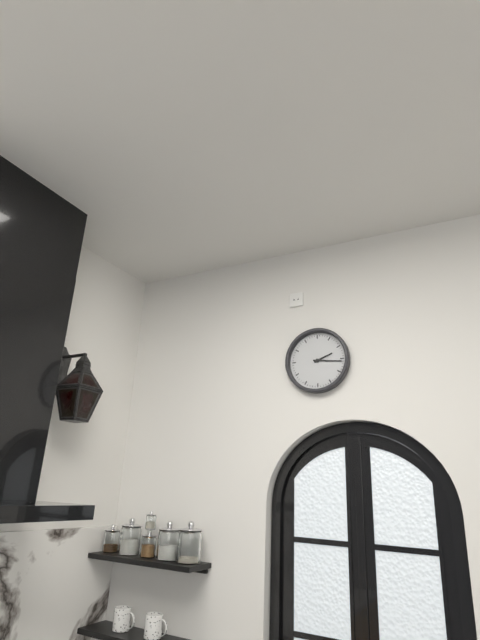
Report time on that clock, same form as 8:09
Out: 2:16
